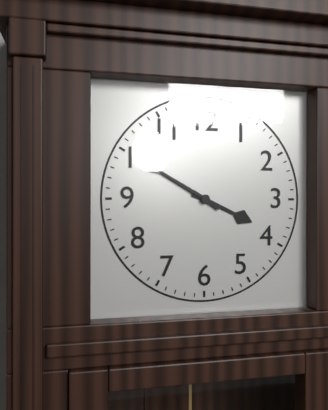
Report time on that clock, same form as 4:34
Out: 3:50
